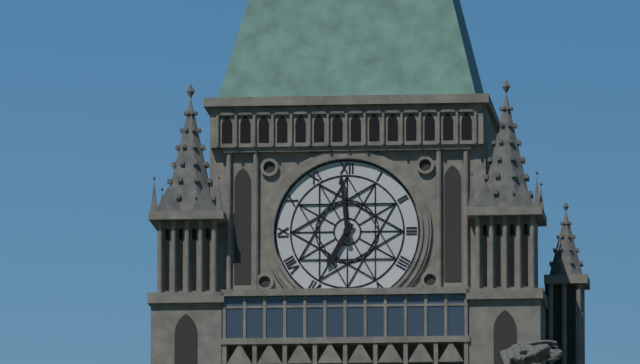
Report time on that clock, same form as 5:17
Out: 6:59
